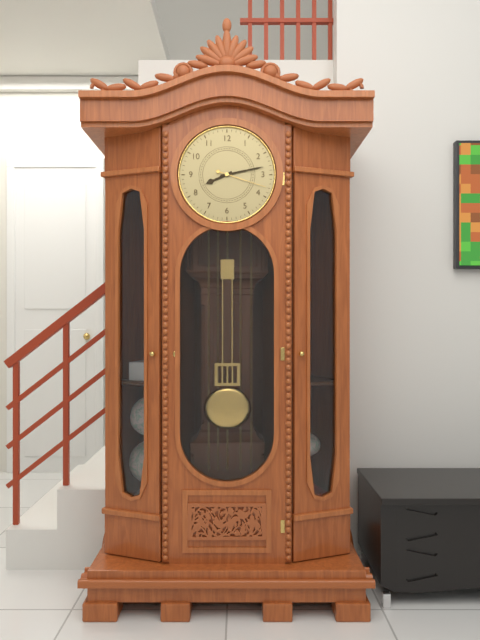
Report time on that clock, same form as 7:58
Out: 8:13
